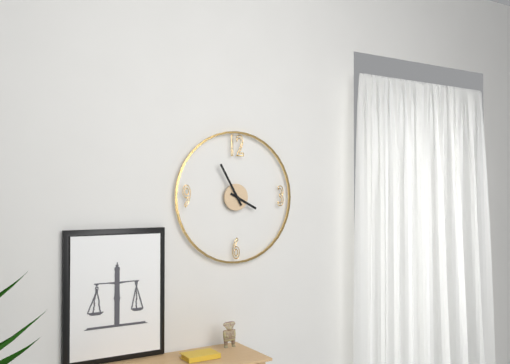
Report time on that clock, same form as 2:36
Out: 3:55
